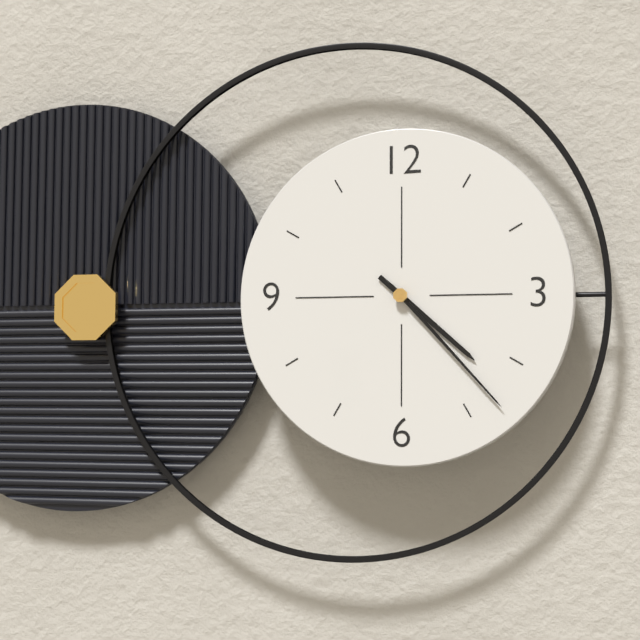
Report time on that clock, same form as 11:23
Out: 4:23
